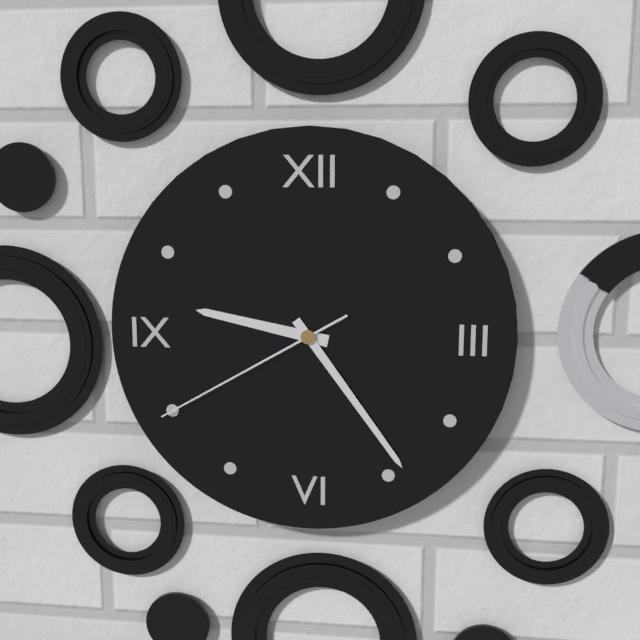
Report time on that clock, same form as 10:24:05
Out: 9:24:40
